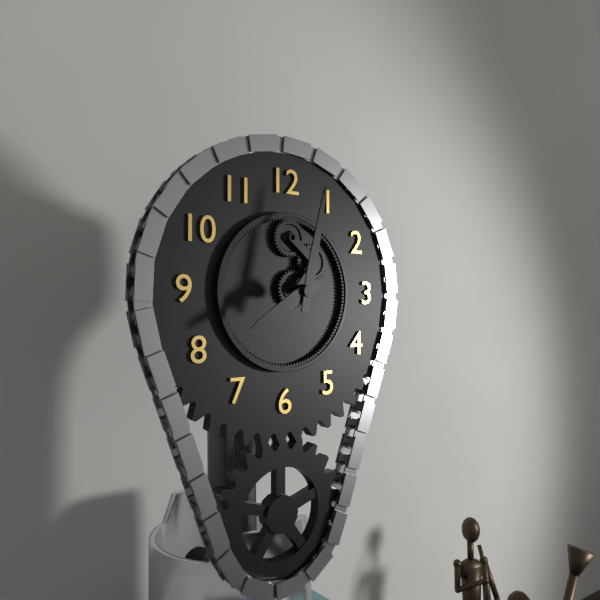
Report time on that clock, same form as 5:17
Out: 8:02
